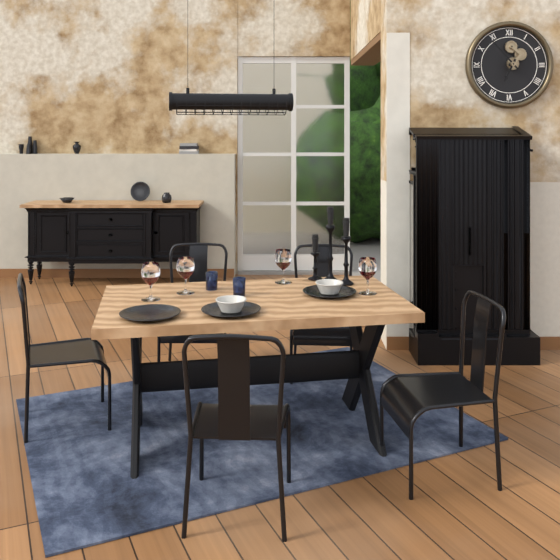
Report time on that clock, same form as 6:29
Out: 6:53
